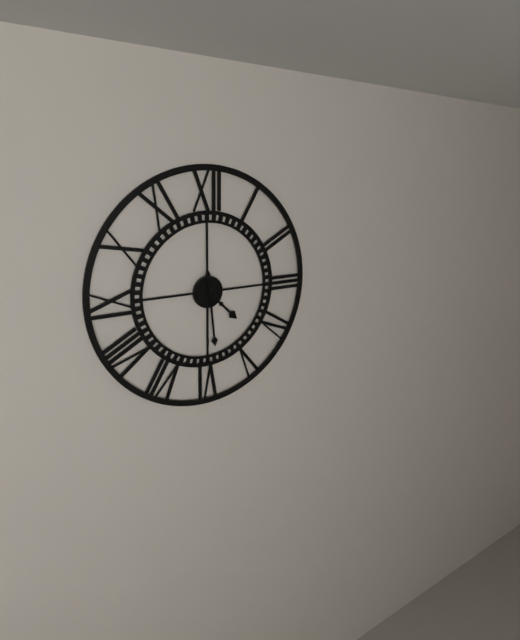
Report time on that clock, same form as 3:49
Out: 4:29
